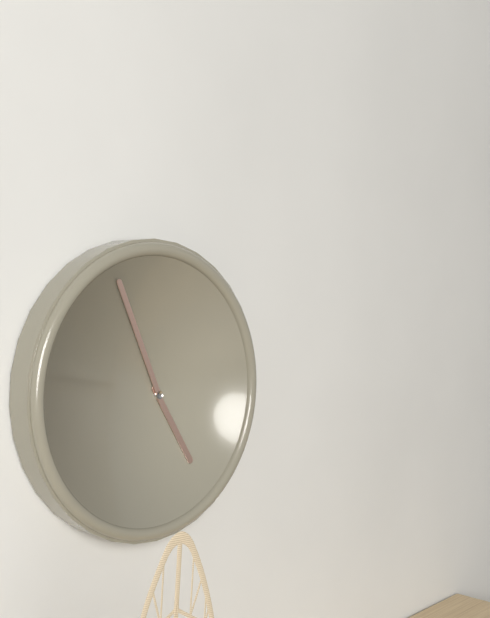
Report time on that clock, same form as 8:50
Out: 4:56
